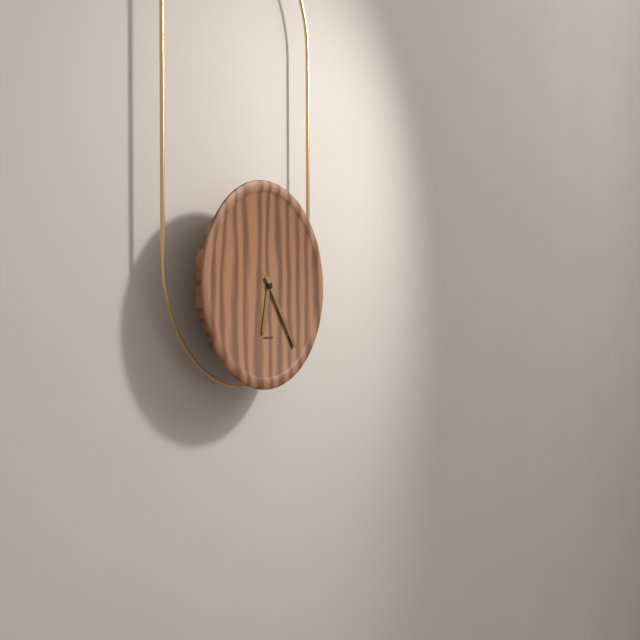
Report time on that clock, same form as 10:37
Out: 6:24
